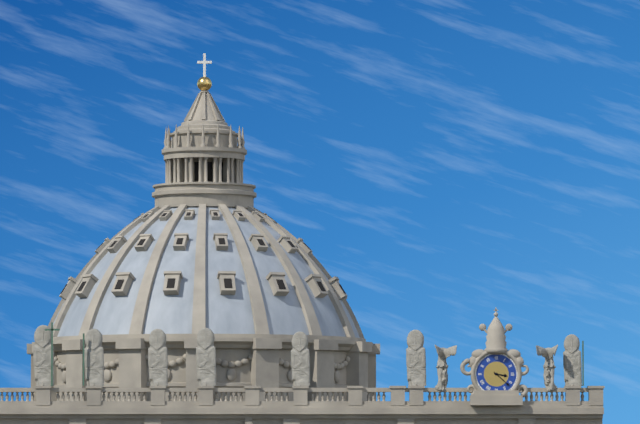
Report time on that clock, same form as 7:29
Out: 3:22
